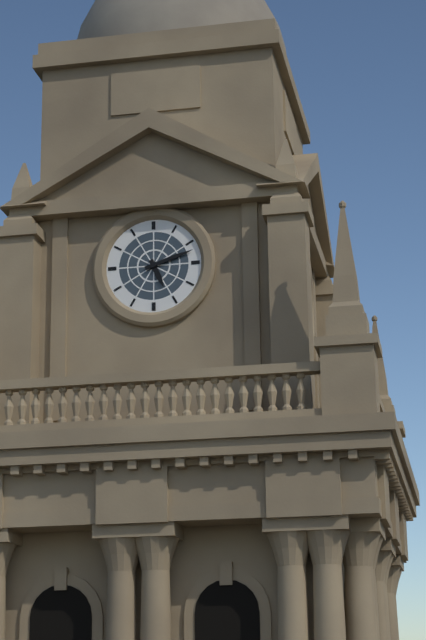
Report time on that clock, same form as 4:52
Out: 5:12
